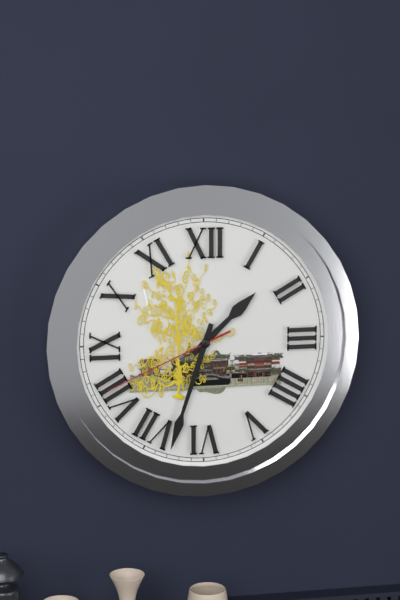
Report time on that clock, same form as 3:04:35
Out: 1:33:41
